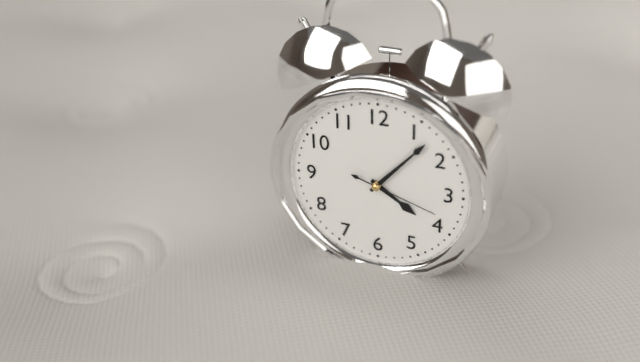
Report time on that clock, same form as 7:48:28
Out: 4:07:18
